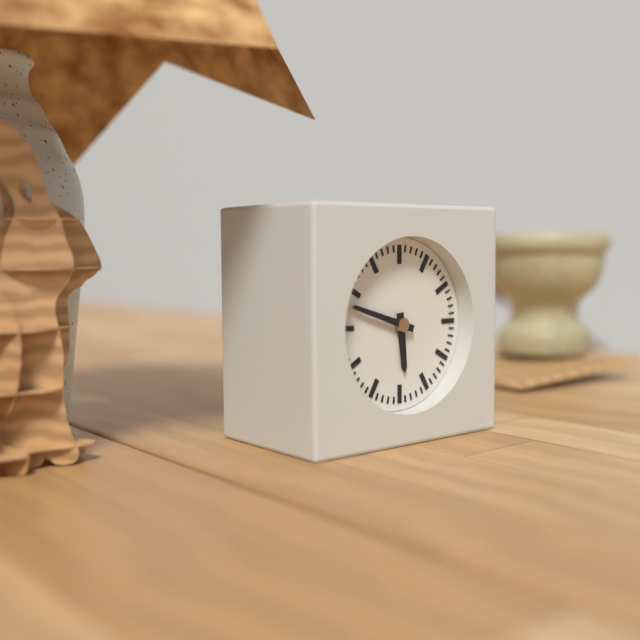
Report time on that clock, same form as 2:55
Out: 5:48
